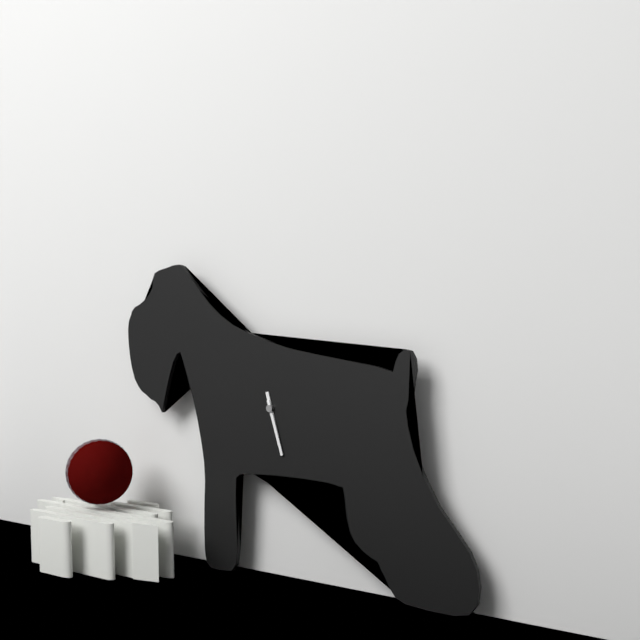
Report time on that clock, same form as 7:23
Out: 5:27
